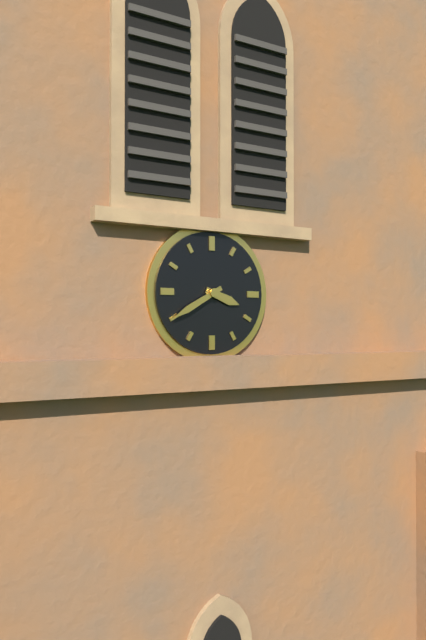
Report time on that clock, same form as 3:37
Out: 3:40
